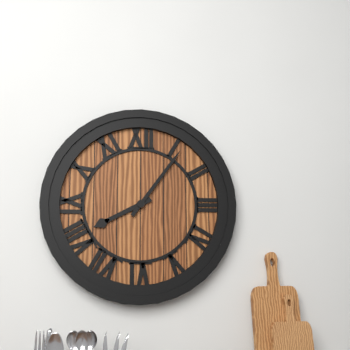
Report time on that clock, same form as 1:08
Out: 8:06
